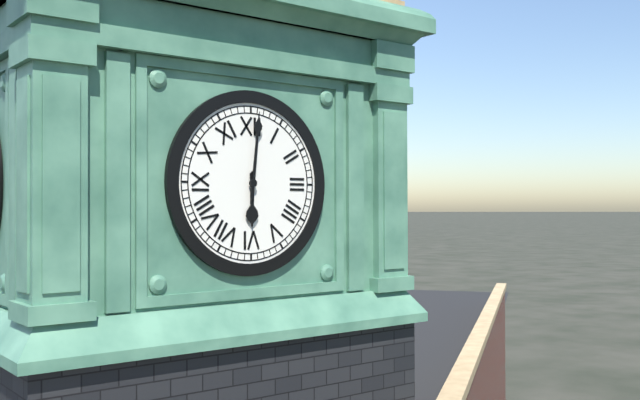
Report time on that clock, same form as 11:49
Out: 6:01
